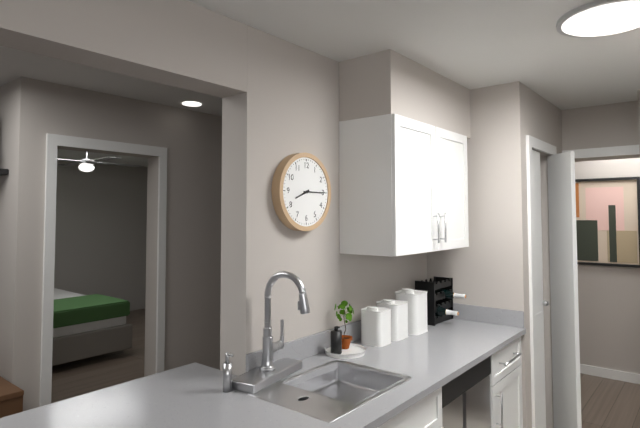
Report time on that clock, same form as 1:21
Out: 8:15
